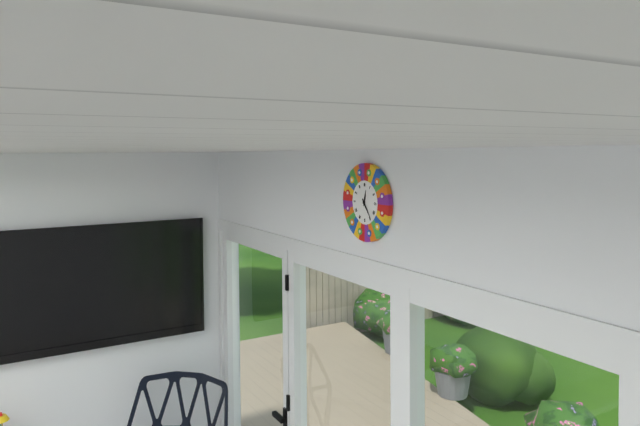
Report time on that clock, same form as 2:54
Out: 12:24
